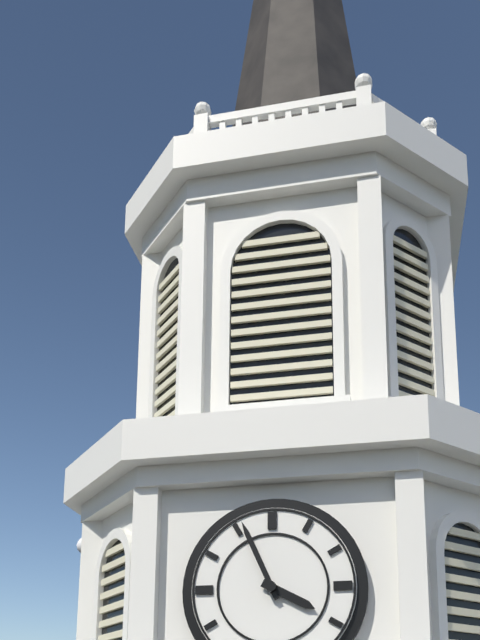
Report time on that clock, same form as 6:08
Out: 3:56
